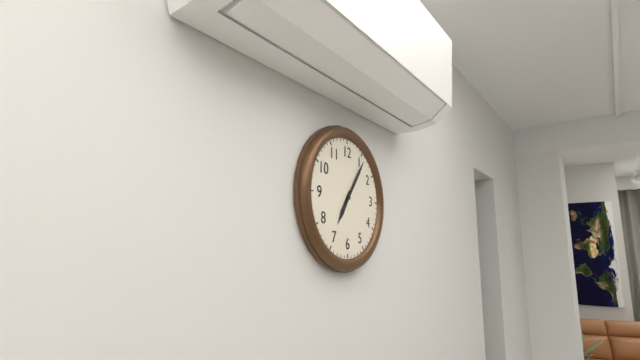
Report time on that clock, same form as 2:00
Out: 7:06
